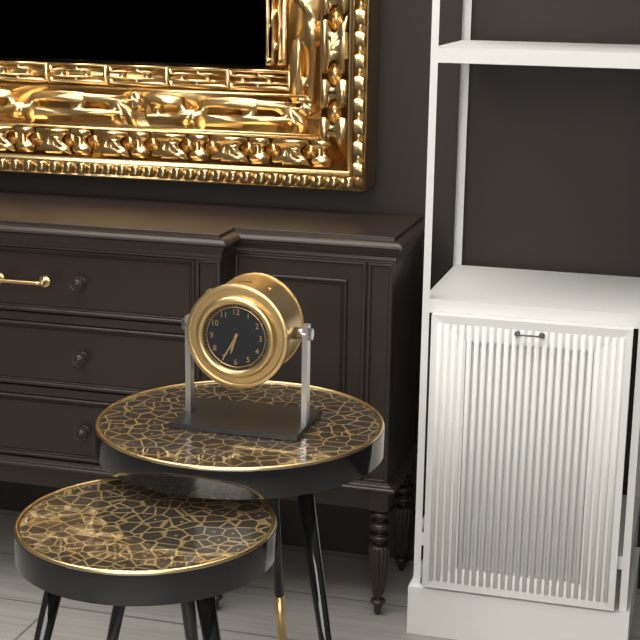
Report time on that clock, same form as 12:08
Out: 6:35
